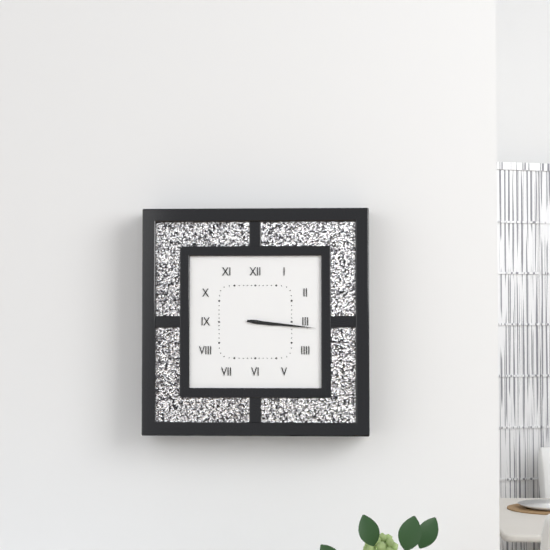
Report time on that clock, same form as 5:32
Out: 3:16
